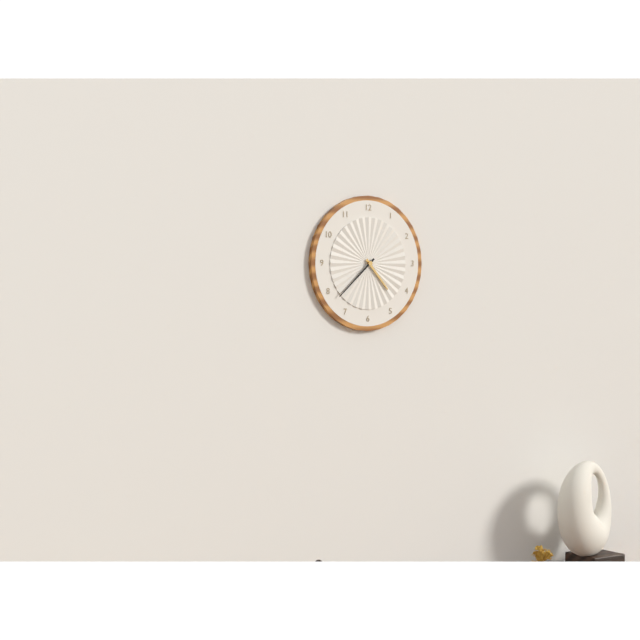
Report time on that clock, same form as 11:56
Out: 4:38
